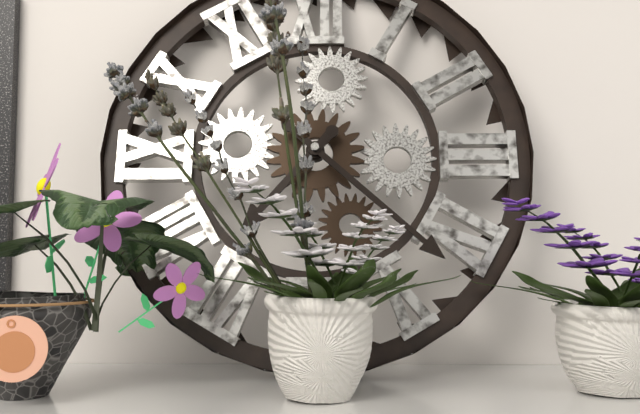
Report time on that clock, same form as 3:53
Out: 7:22
